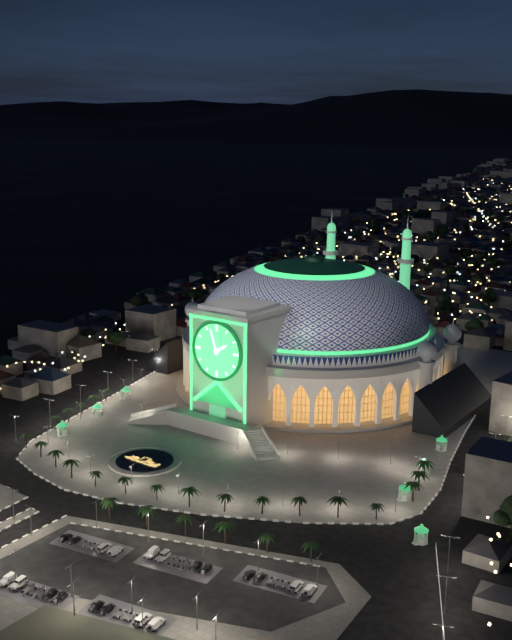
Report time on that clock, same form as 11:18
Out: 1:57
